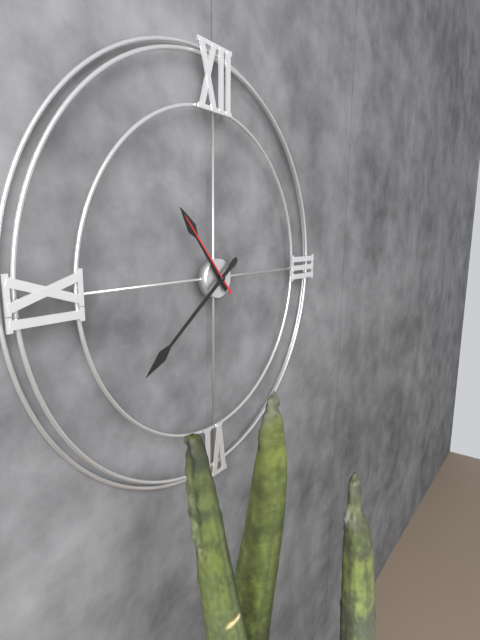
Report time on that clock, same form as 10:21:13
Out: 10:39:53
